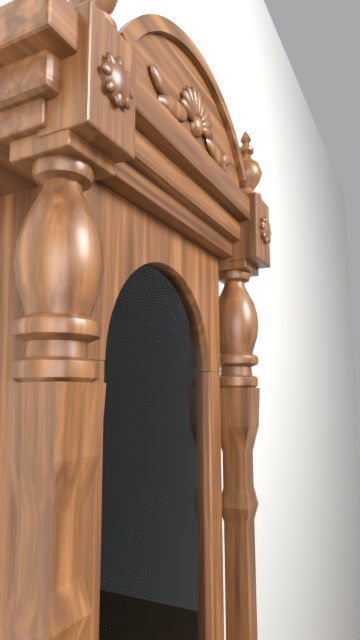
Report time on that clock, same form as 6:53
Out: 7:51
